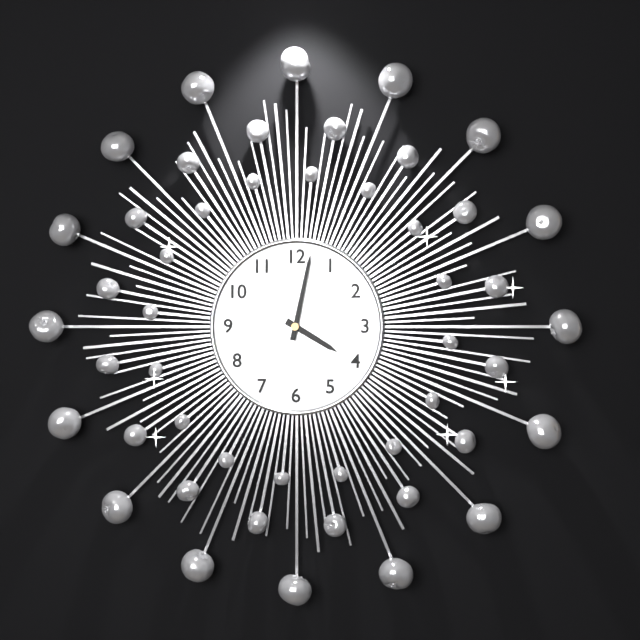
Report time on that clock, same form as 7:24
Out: 4:02
